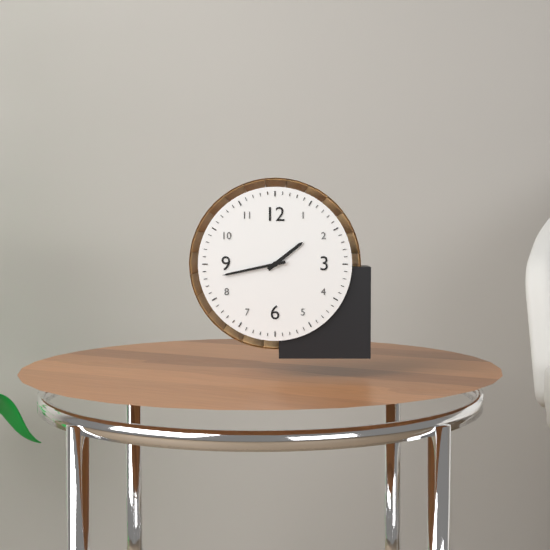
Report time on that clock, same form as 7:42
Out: 1:43
